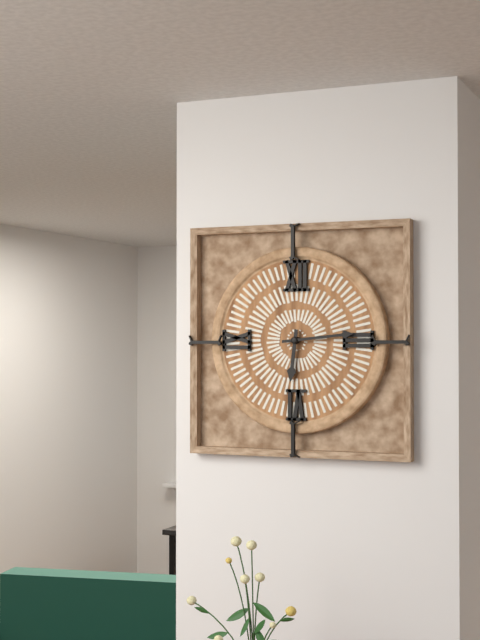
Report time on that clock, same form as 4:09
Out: 6:14
